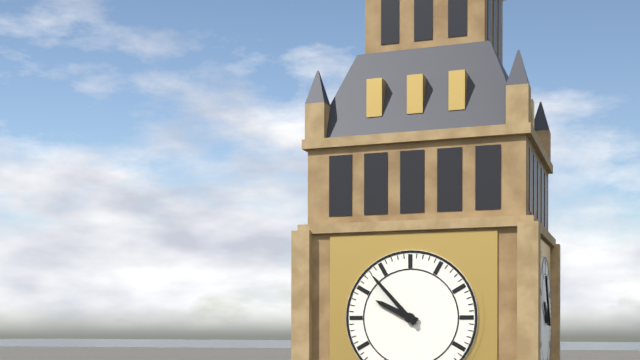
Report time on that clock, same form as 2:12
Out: 9:53
